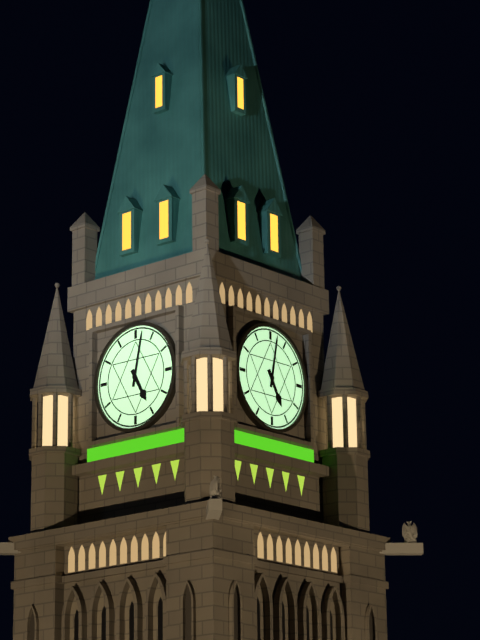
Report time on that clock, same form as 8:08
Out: 5:02
